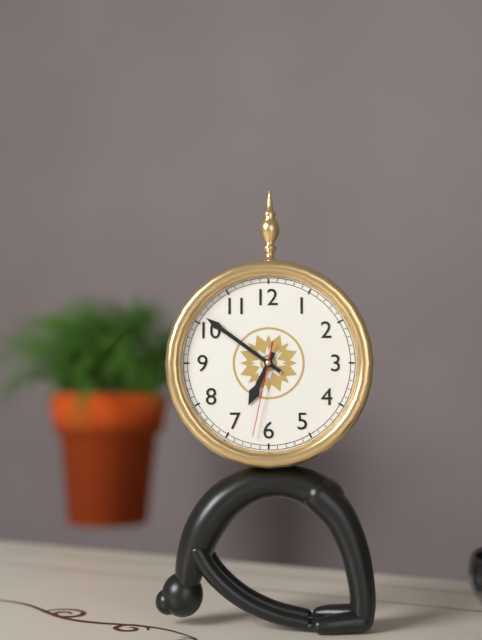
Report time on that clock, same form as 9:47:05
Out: 6:51:32
